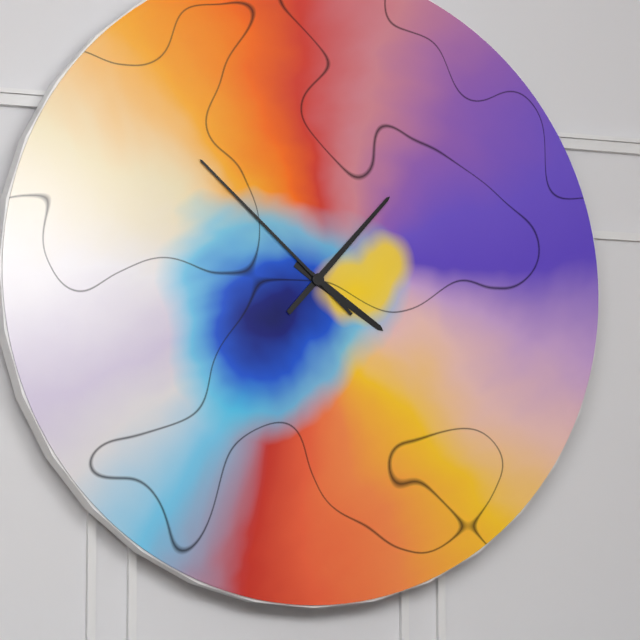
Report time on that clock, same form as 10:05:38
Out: 4:07:52
